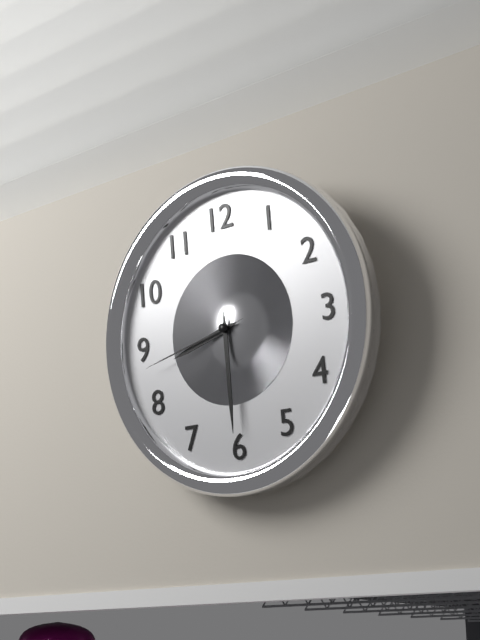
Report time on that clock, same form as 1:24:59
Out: 8:30:43
